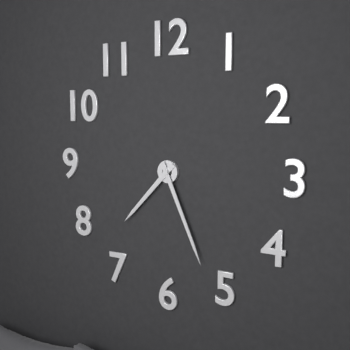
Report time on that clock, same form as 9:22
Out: 7:26
